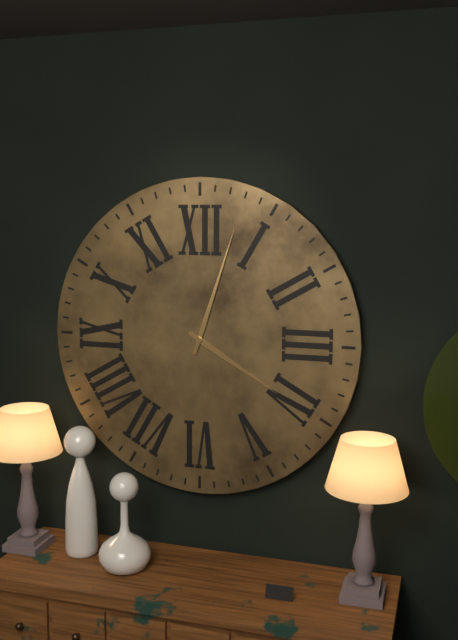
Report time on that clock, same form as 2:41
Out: 4:03
